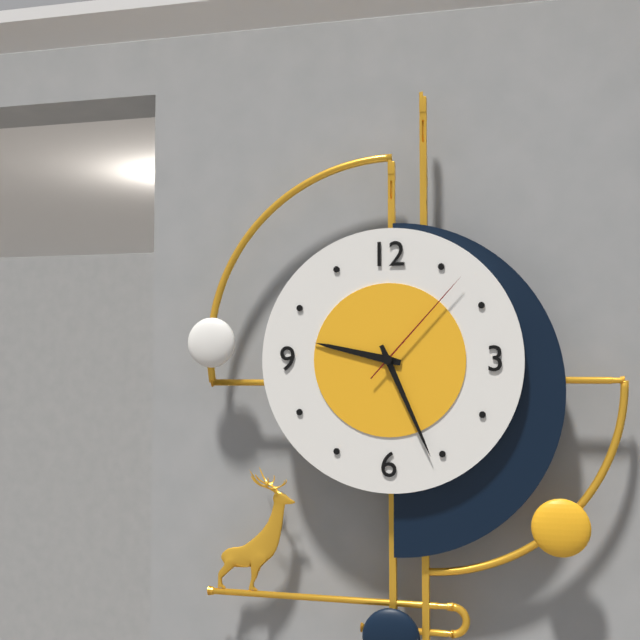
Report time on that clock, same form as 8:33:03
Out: 9:26:07
